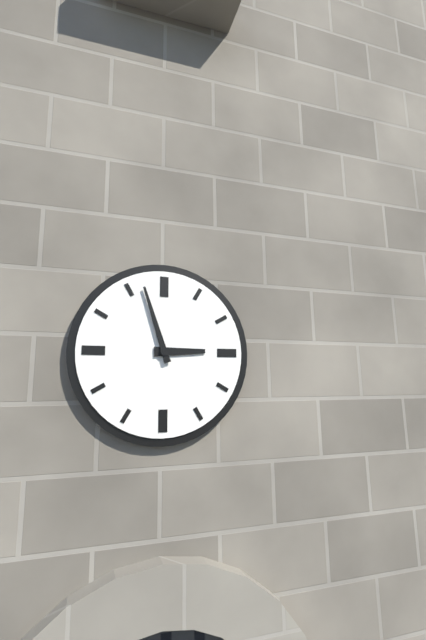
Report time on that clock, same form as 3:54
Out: 2:57
